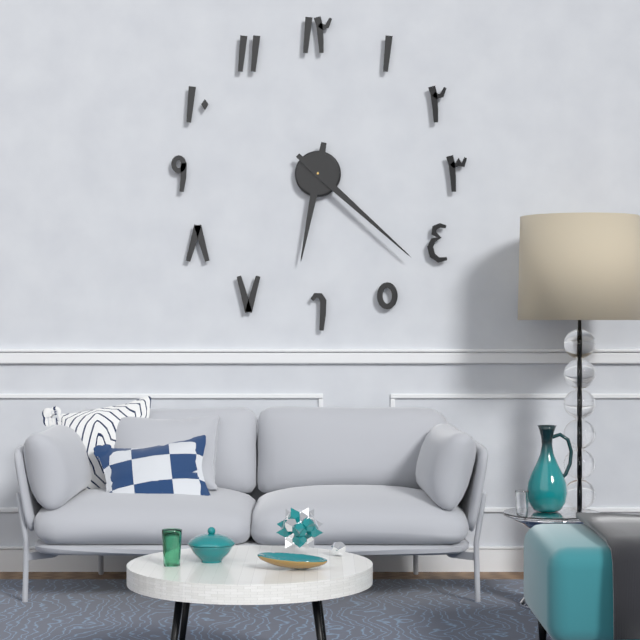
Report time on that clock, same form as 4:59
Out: 6:22
